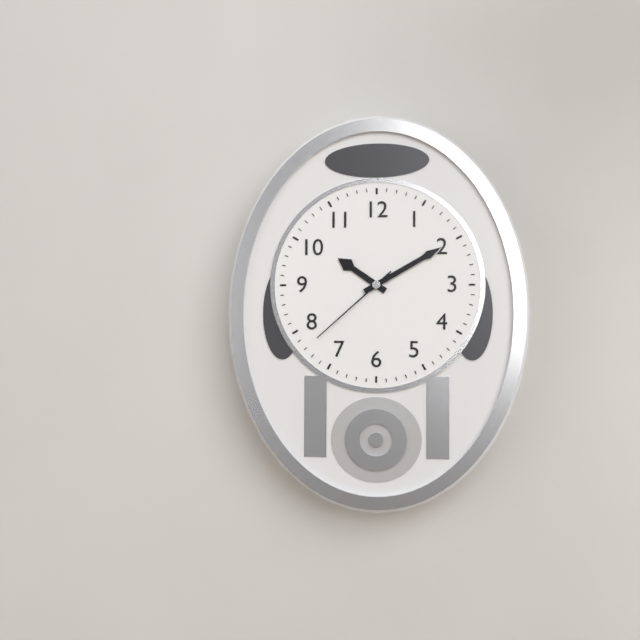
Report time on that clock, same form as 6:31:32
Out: 10:10:38
